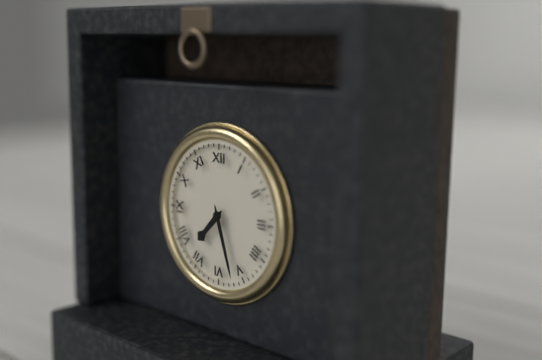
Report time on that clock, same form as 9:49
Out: 7:27
